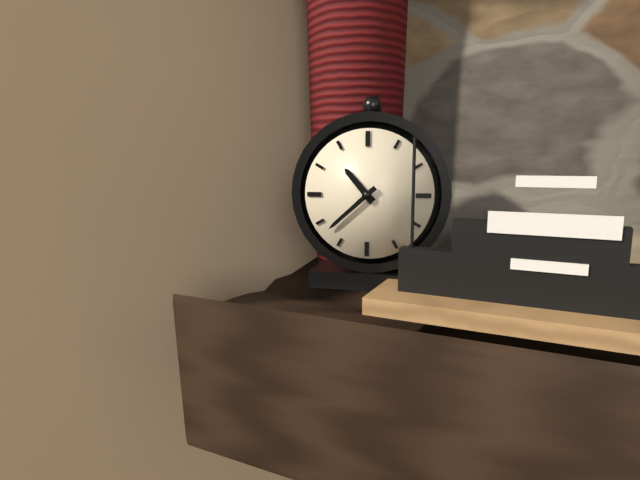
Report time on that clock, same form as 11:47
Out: 10:38
